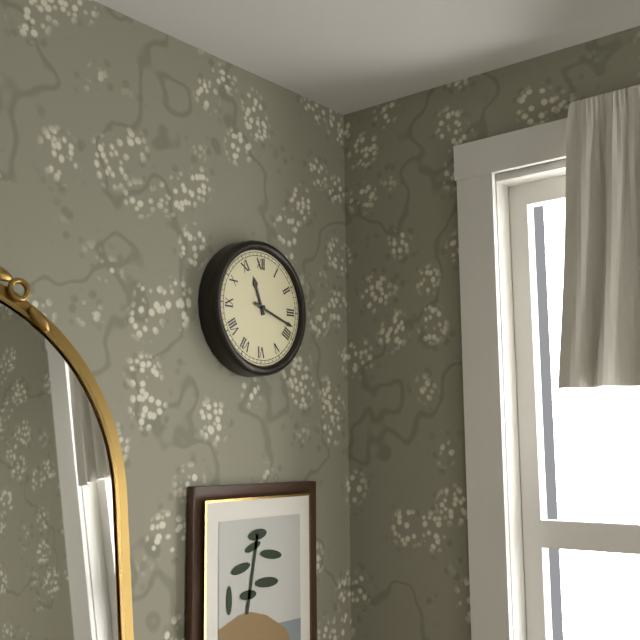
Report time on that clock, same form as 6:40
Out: 11:18
